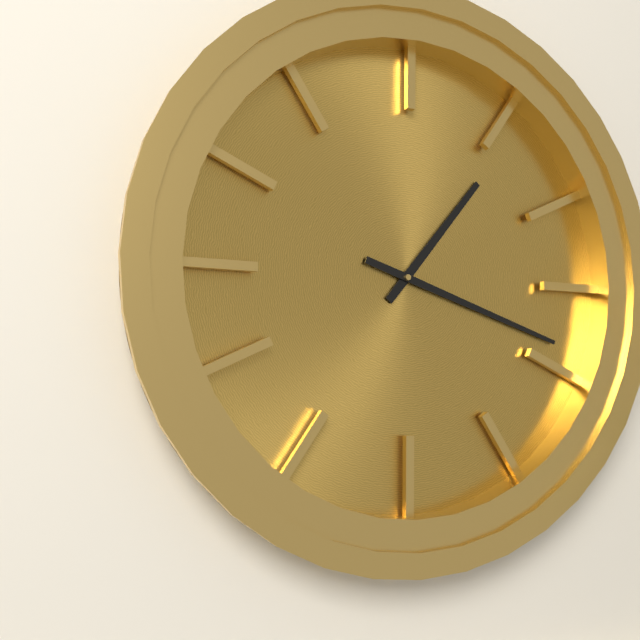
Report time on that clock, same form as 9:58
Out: 1:18
